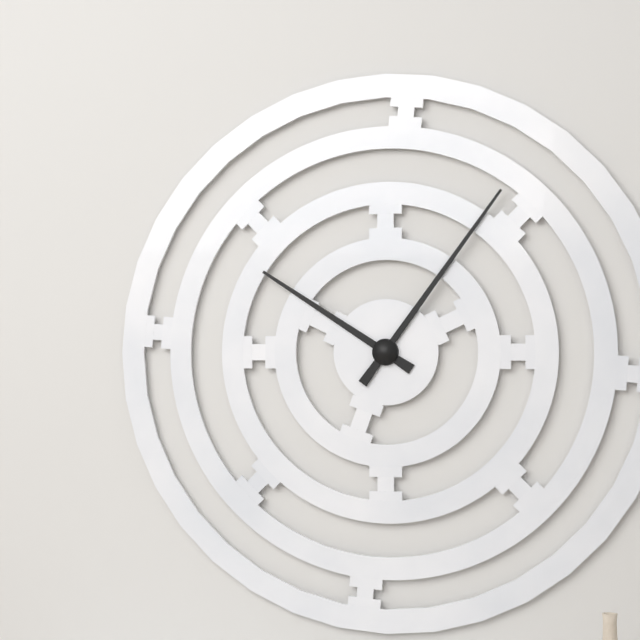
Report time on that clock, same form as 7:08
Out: 10:06
